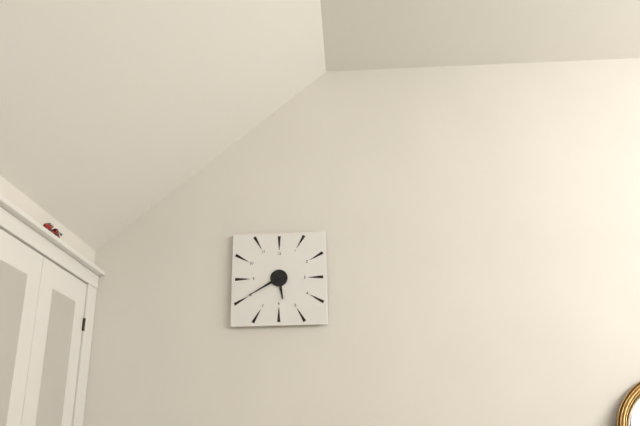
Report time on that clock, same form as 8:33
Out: 5:40
